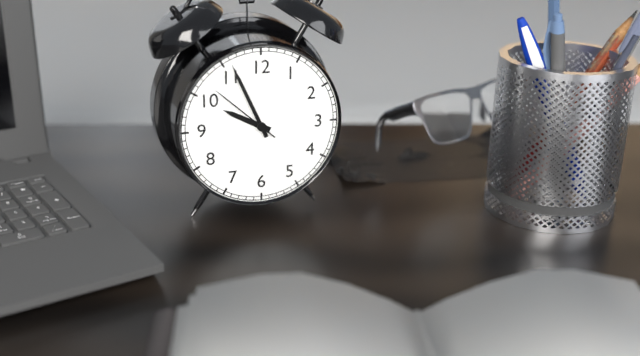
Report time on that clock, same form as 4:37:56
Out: 9:56:52
